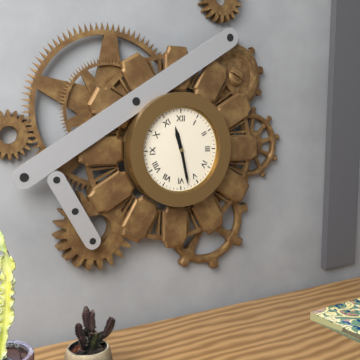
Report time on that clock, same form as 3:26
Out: 11:28
